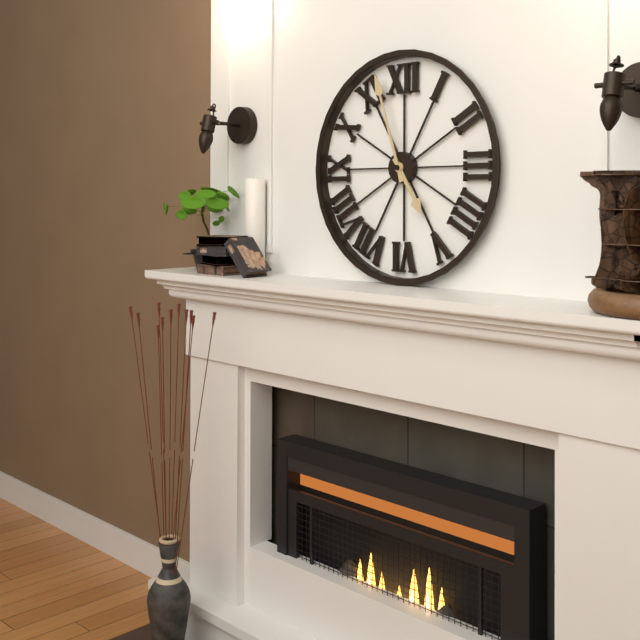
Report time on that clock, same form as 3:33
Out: 4:57
